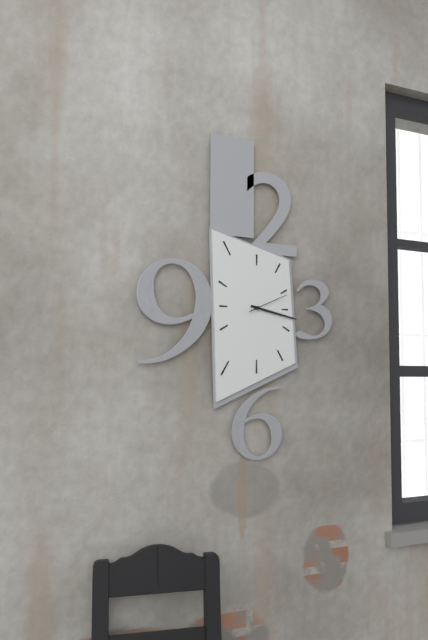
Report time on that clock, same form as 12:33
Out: 3:17
